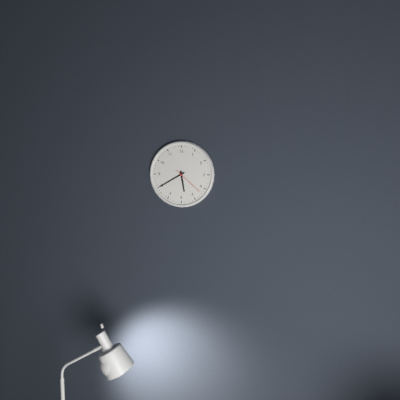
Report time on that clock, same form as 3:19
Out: 5:40
